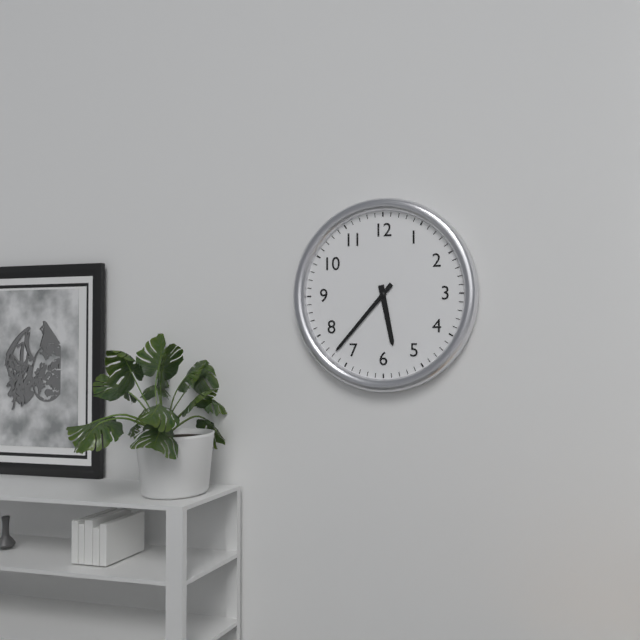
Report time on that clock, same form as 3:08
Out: 5:37
